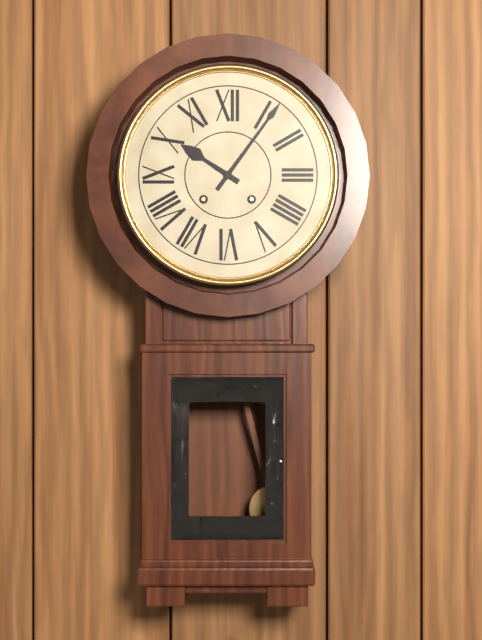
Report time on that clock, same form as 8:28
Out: 10:06
